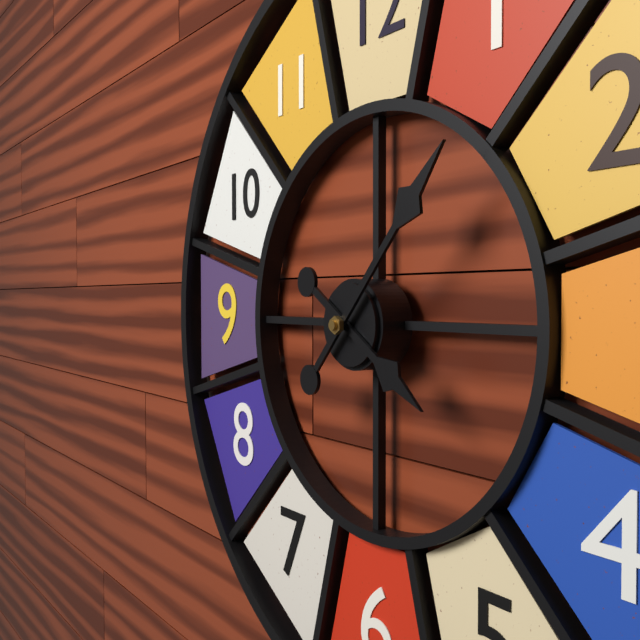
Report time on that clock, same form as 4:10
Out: 4:07
